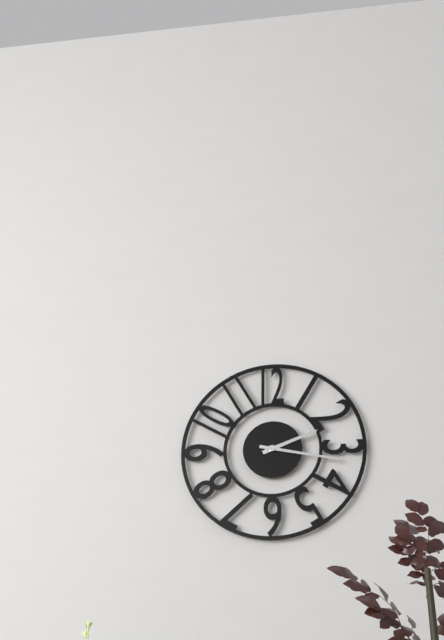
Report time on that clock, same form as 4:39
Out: 2:17
